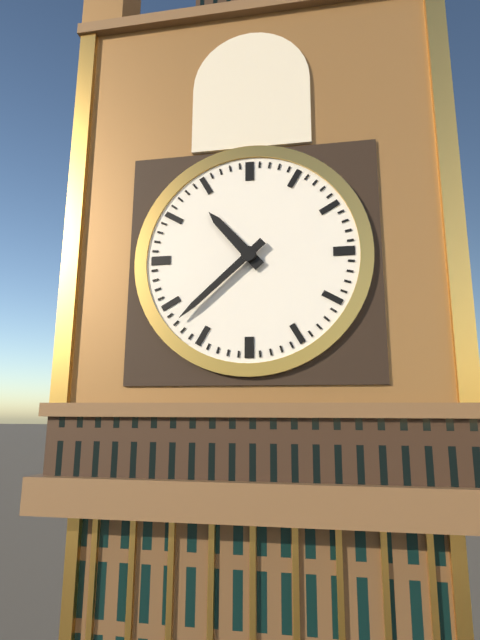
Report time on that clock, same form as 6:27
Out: 10:38
